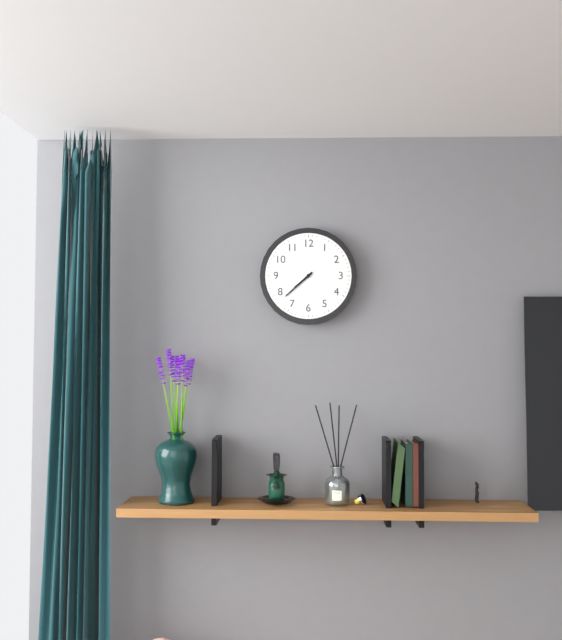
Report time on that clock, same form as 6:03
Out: 7:38
